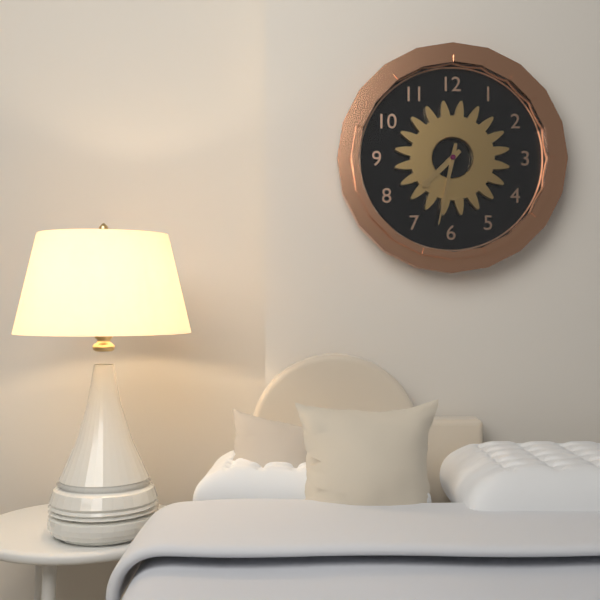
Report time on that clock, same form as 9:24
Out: 7:32
